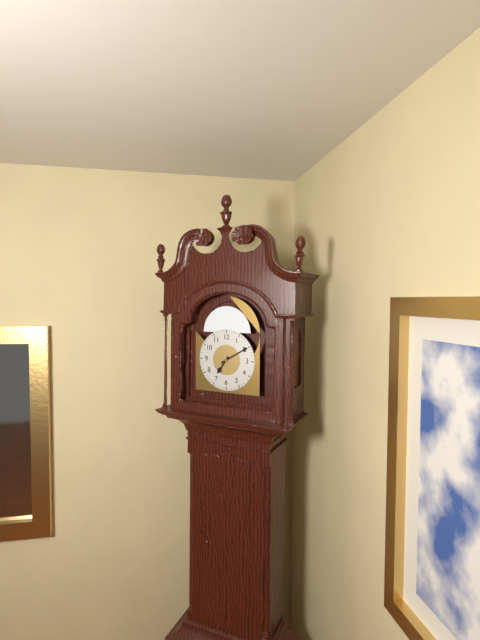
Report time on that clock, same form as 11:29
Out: 7:10
